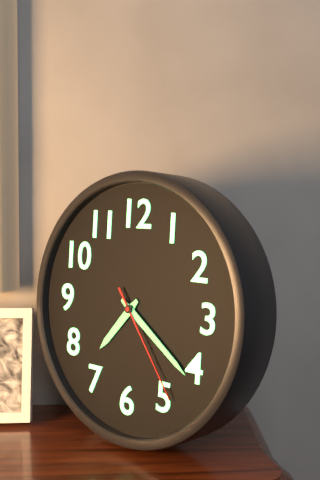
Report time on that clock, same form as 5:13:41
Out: 7:21:24
